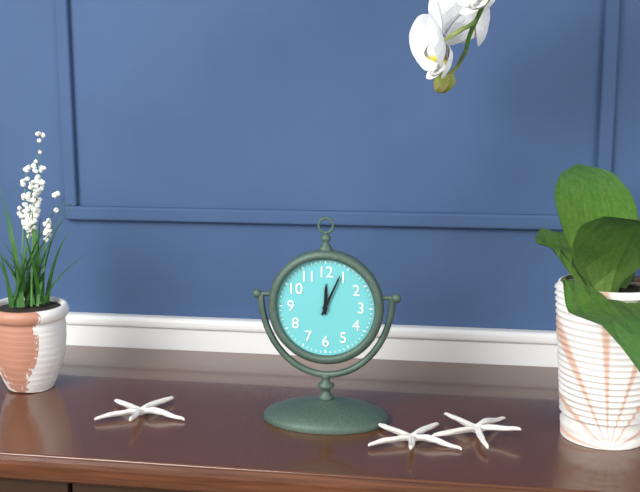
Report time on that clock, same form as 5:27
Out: 12:04
